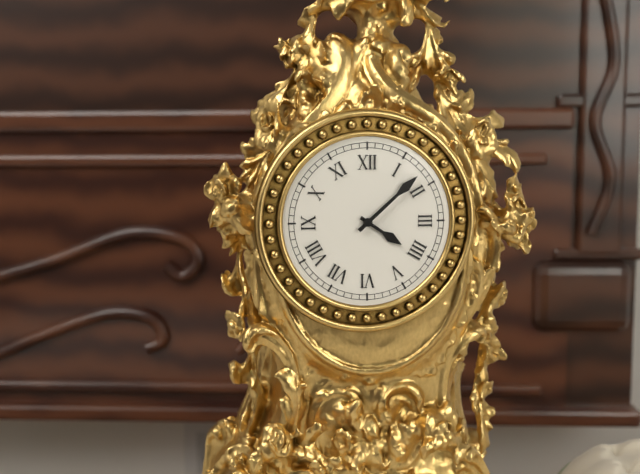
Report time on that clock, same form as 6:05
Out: 4:08
